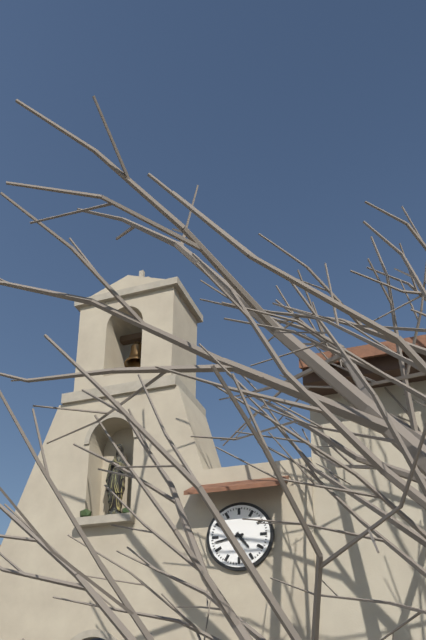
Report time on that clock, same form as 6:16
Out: 4:43
